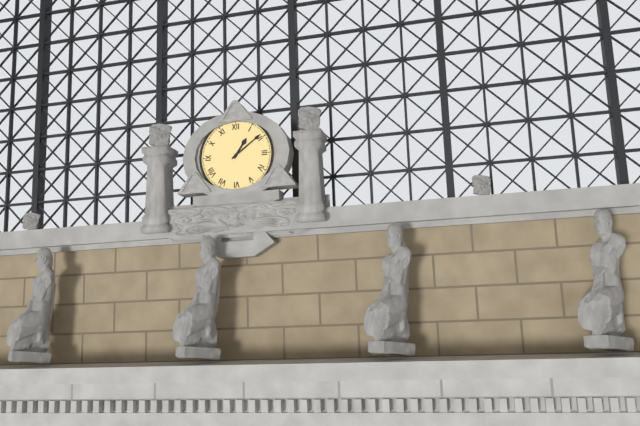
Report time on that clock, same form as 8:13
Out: 1:09
